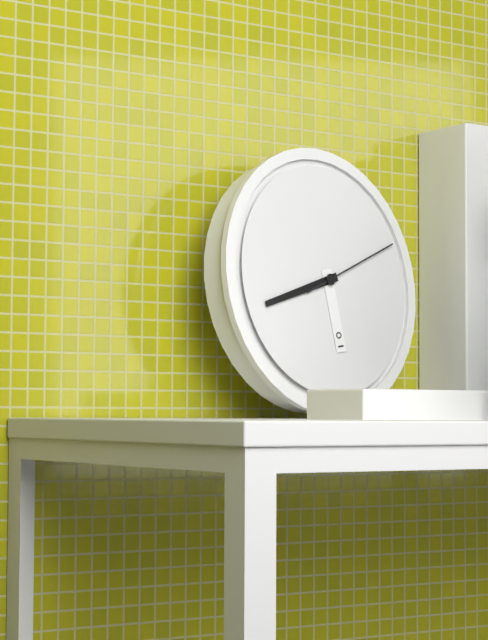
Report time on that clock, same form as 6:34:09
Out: 5:42:11
